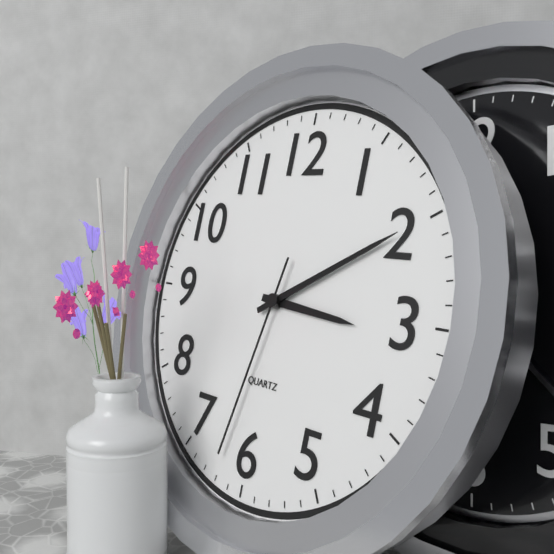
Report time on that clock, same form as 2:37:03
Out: 3:10:32
